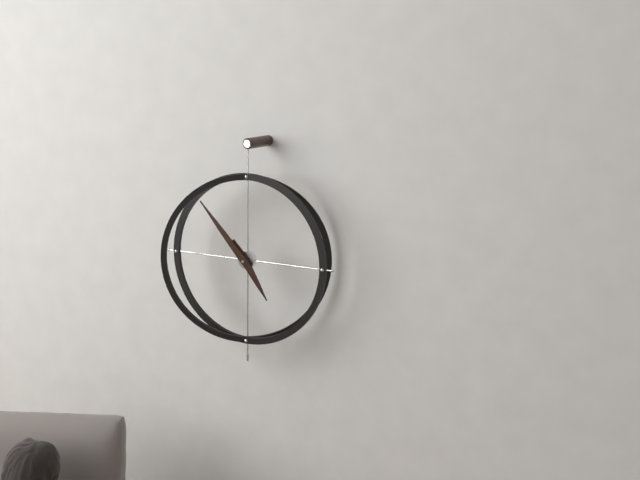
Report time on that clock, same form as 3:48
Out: 4:53
